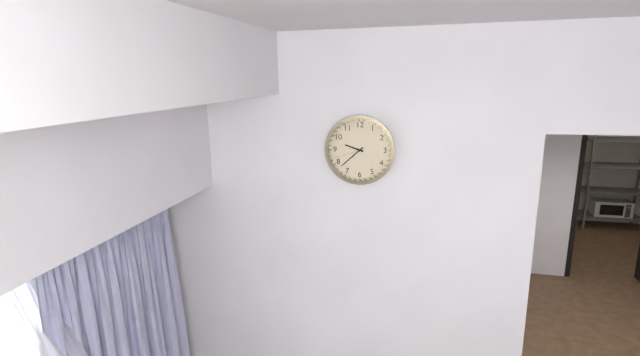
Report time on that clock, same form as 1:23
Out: 9:38
